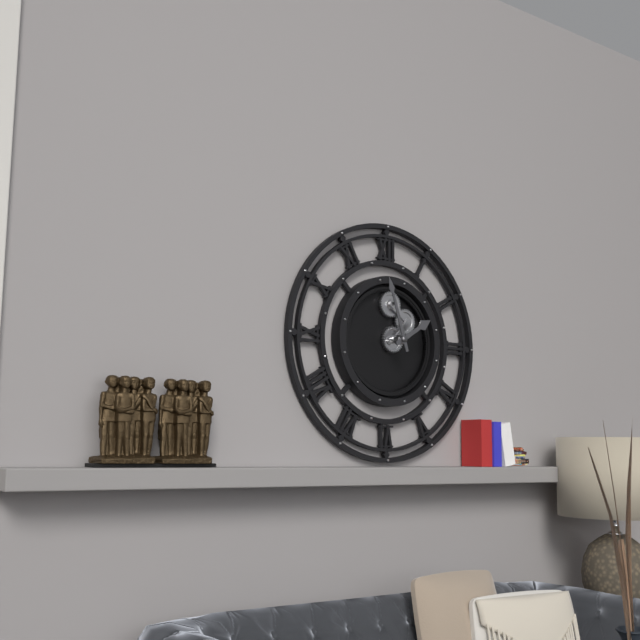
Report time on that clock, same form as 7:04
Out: 1:57
